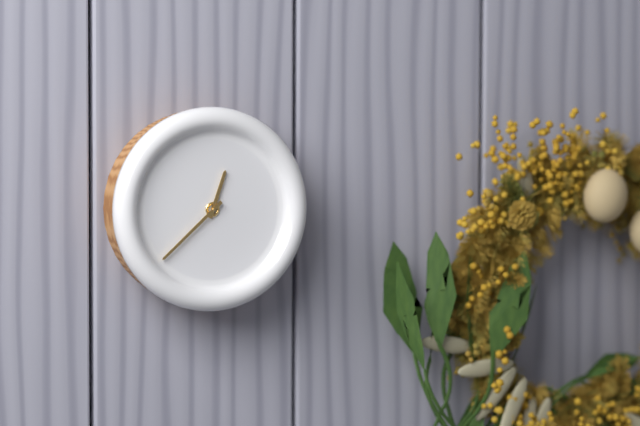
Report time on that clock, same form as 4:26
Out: 12:38
